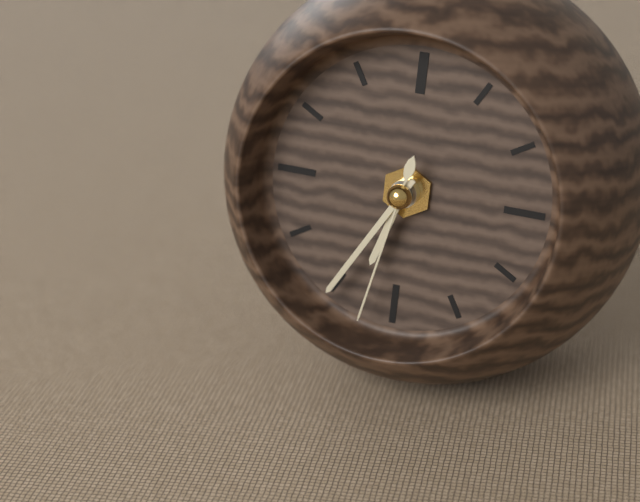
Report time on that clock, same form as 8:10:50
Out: 6:35:32
